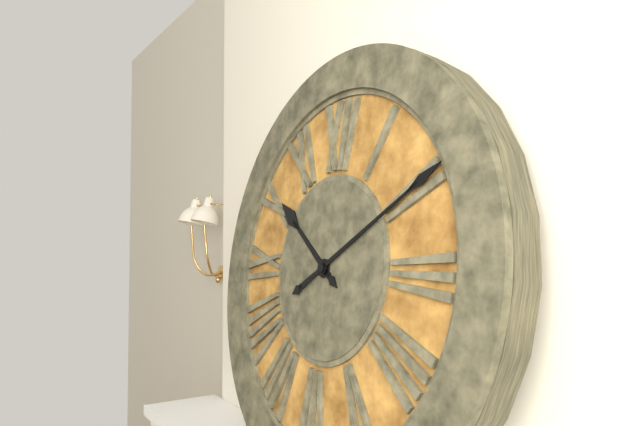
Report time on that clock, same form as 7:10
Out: 10:10
